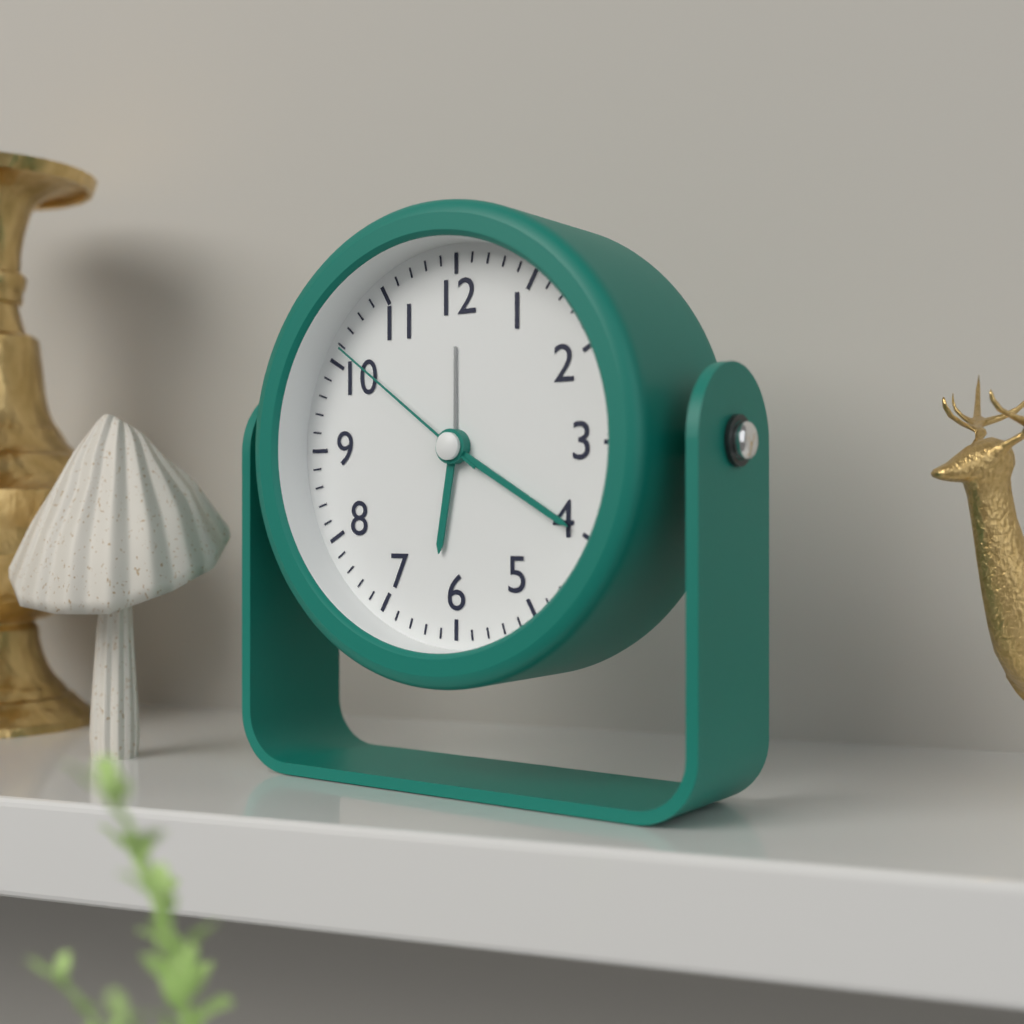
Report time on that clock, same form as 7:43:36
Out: 6:20:51
